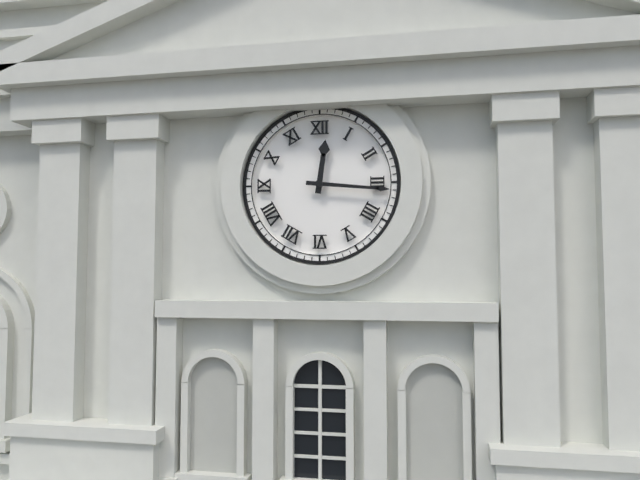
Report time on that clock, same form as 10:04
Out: 12:16
